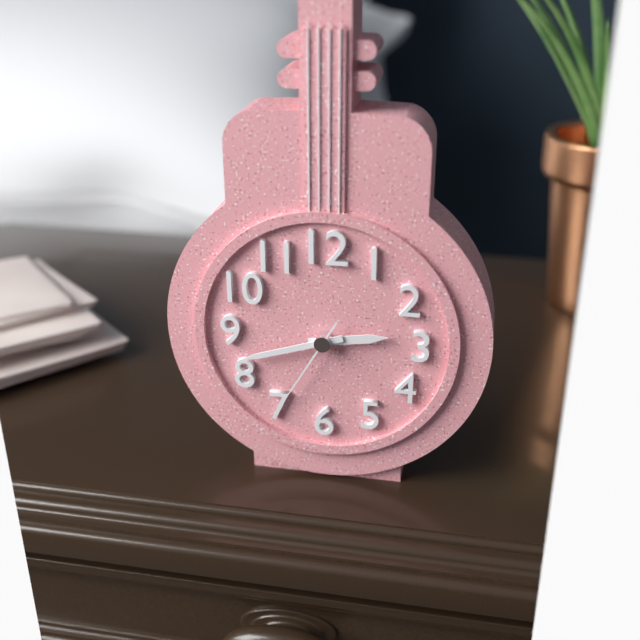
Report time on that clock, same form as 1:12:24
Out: 2:42:35
